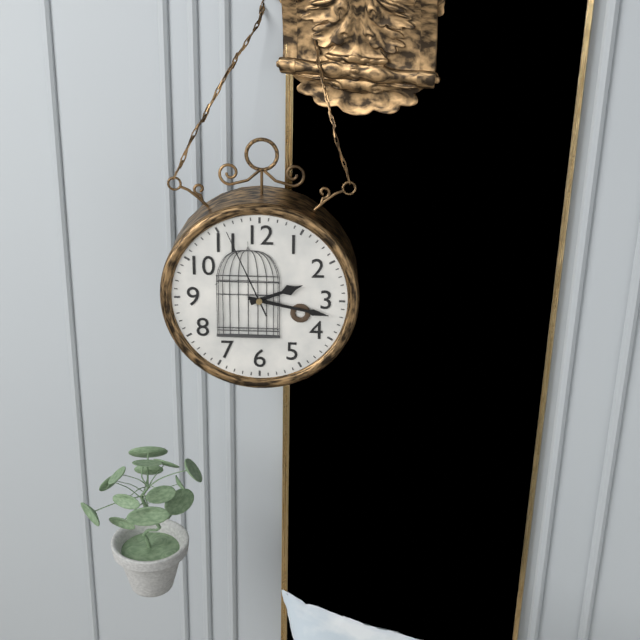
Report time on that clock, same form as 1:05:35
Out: 2:17:56
